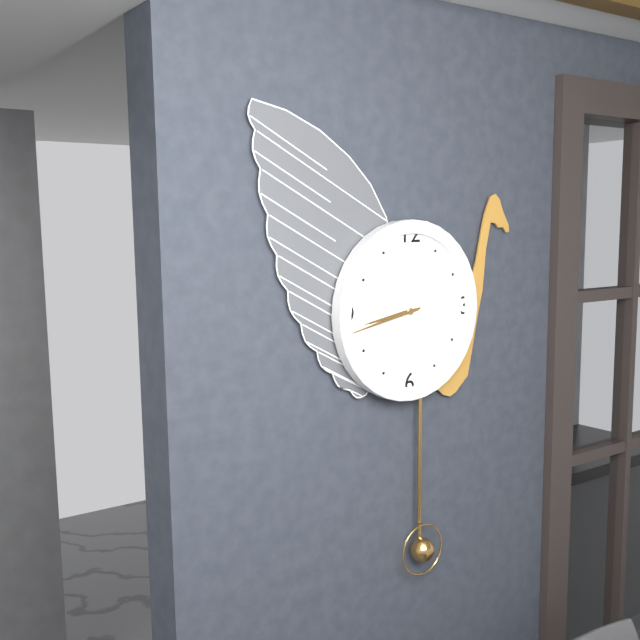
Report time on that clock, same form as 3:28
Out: 8:43
